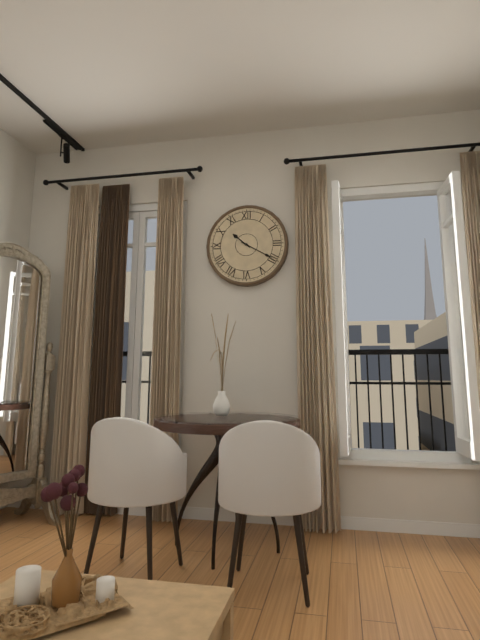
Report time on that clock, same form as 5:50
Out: 10:20
